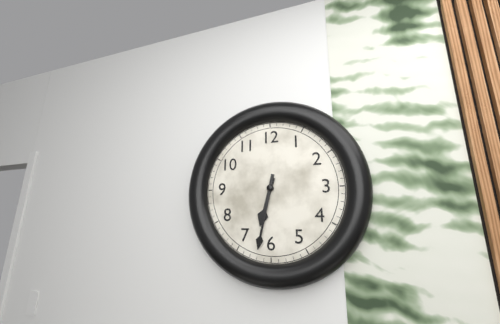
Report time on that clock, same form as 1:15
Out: 6:32
